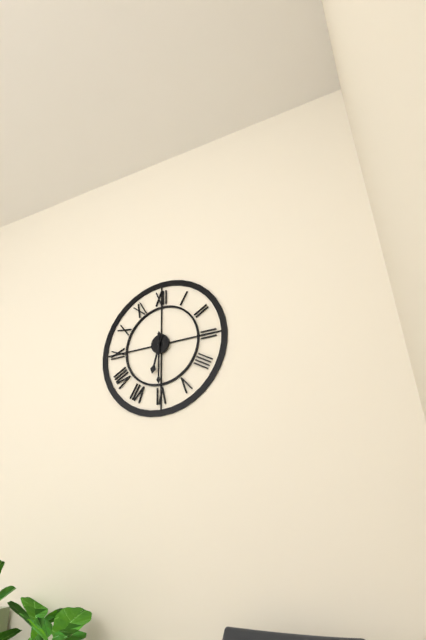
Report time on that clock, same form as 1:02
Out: 6:30
